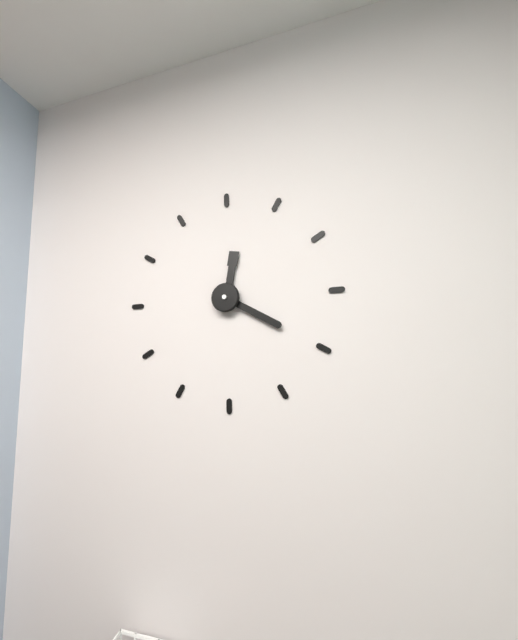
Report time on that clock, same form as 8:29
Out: 12:20
